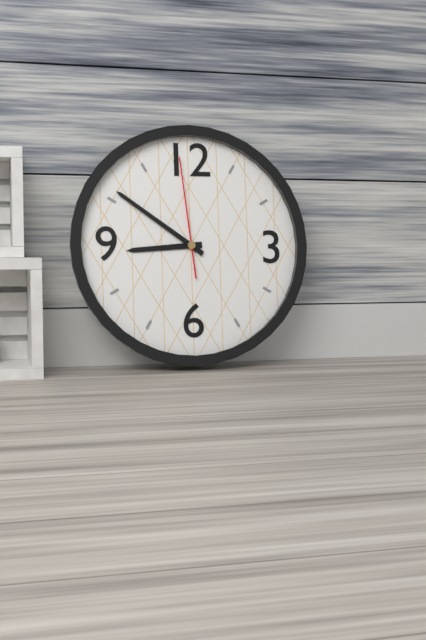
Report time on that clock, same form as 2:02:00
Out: 8:51:59
